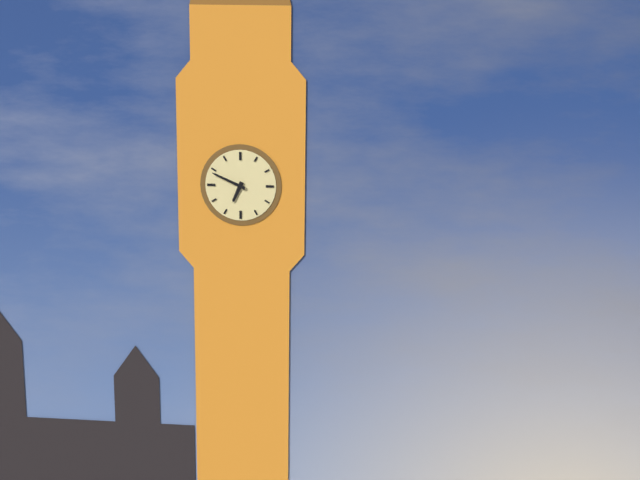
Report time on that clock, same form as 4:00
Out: 6:49
